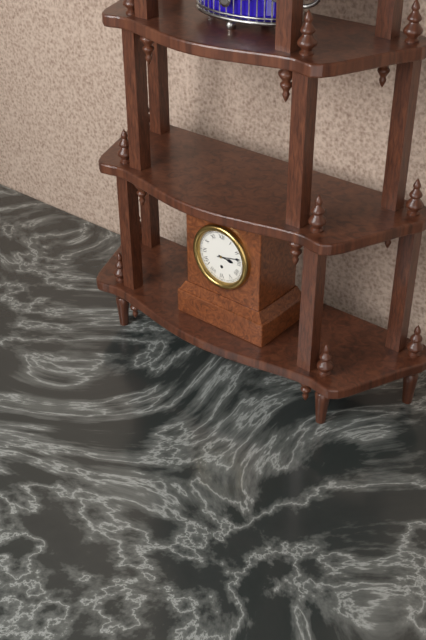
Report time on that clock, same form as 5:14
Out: 3:13
